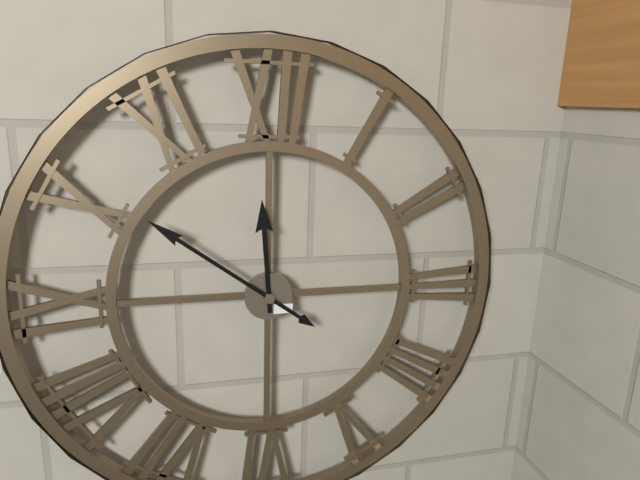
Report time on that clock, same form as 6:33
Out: 11:51
